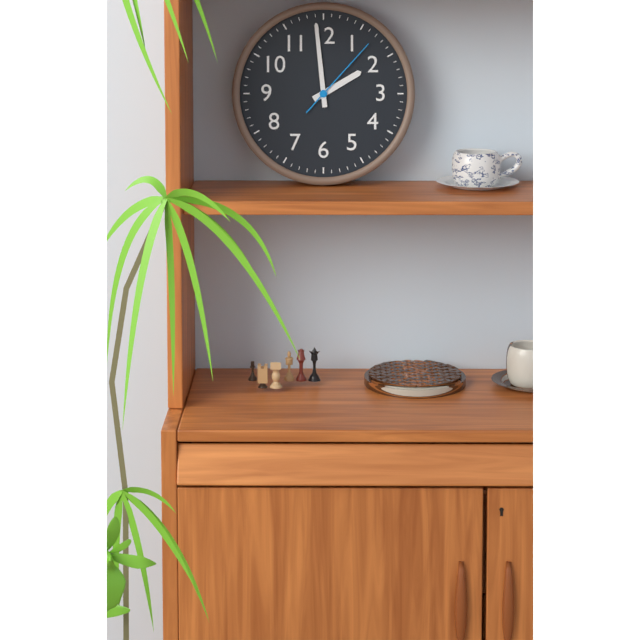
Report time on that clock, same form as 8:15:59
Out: 1:59:07
